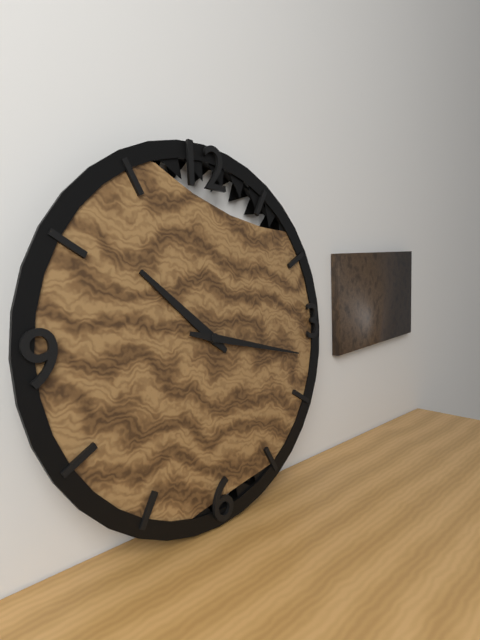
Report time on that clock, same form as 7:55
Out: 10:17
